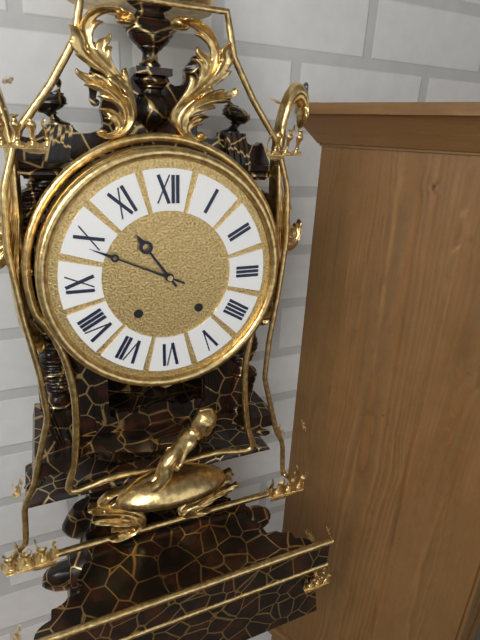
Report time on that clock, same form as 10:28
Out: 10:49
